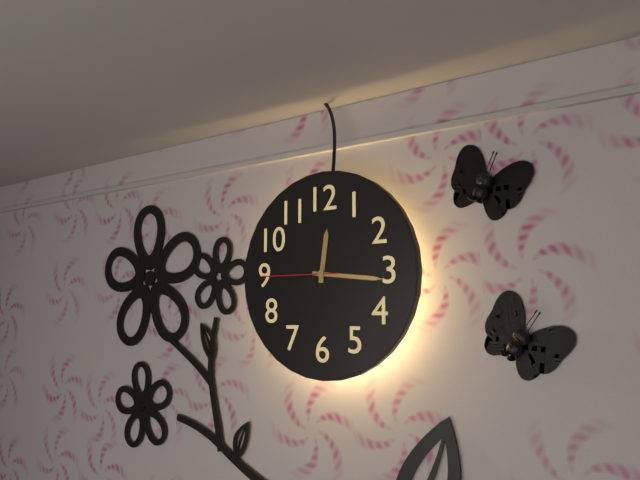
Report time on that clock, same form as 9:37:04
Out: 12:16:45
